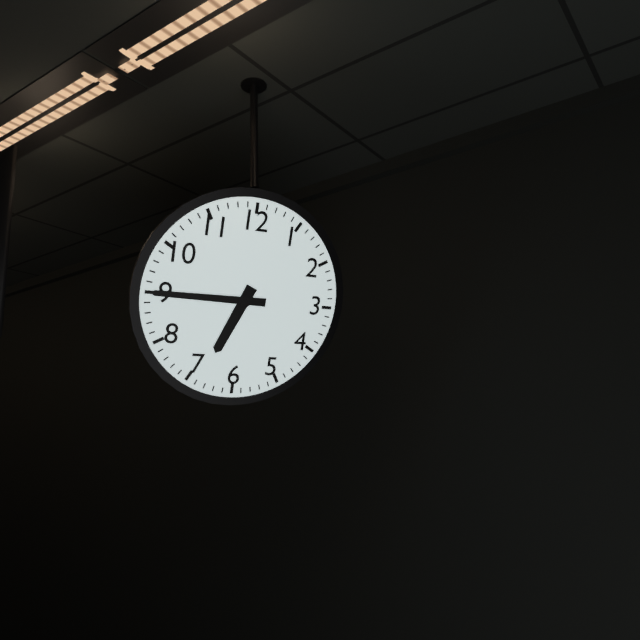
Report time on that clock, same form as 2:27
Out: 6:45
